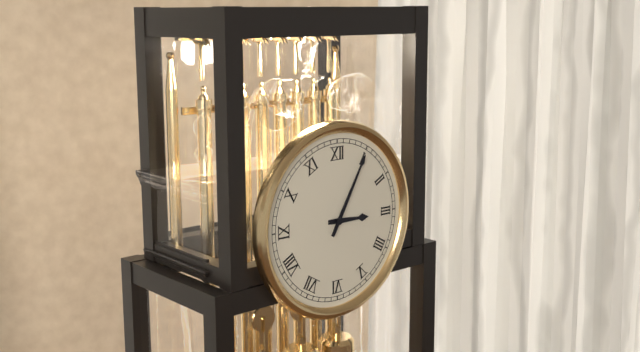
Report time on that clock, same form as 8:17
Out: 3:05
